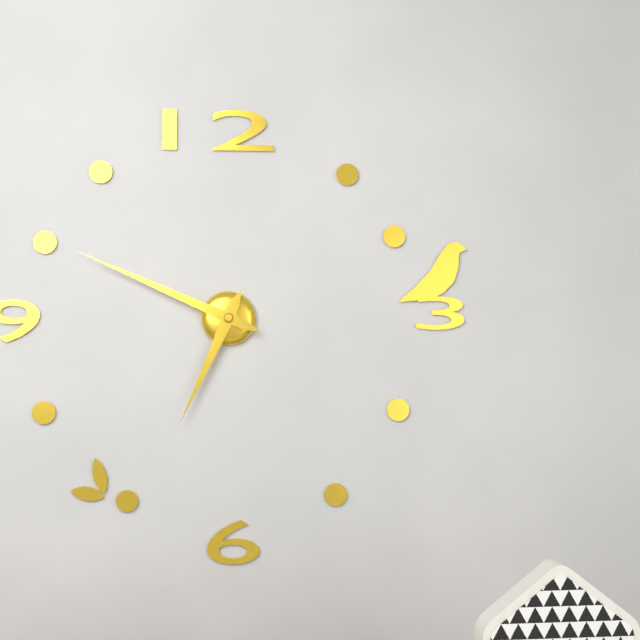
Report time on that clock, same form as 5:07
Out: 6:49
